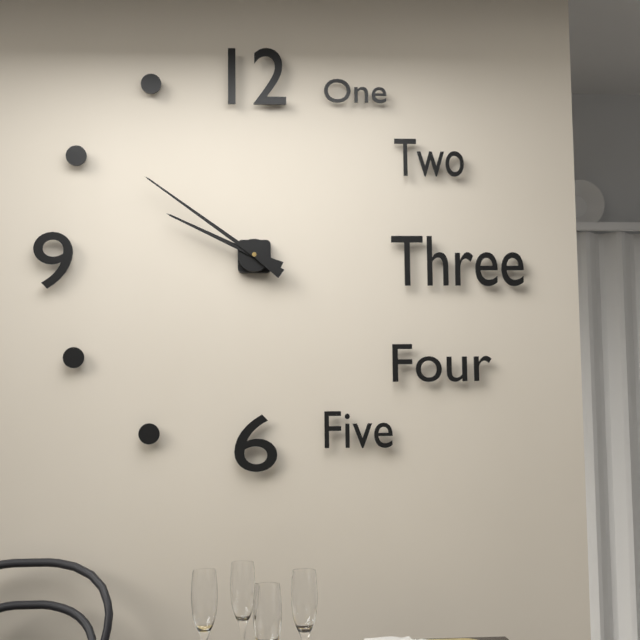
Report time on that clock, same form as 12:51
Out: 9:51
